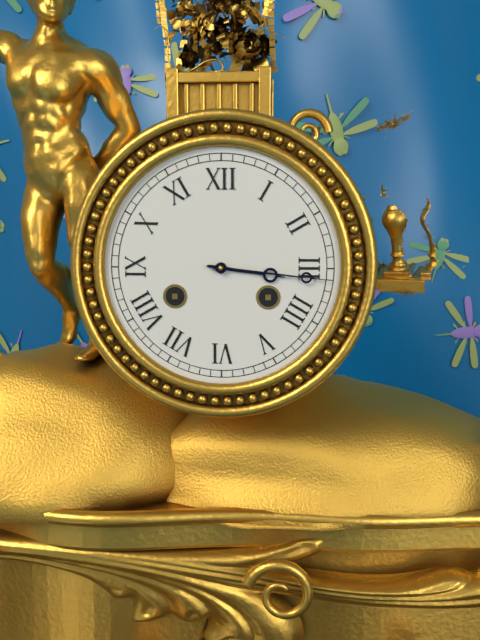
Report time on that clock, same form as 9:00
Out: 3:16
